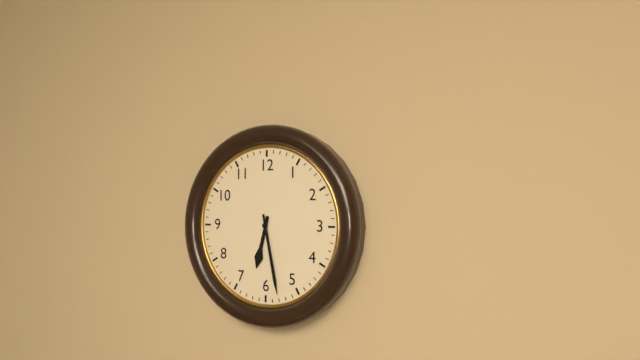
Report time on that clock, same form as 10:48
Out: 6:28
